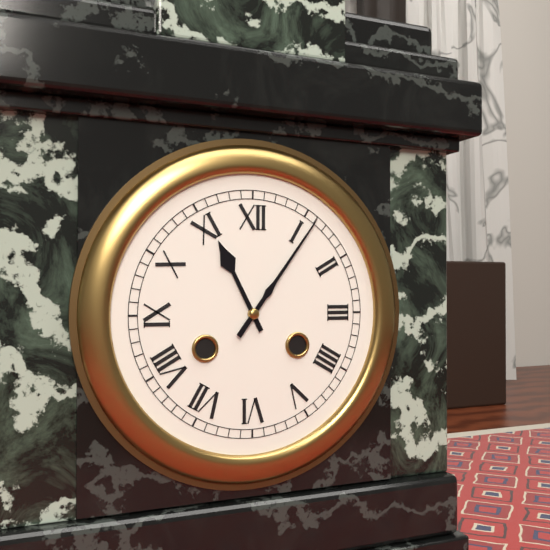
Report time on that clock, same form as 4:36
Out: 11:06
